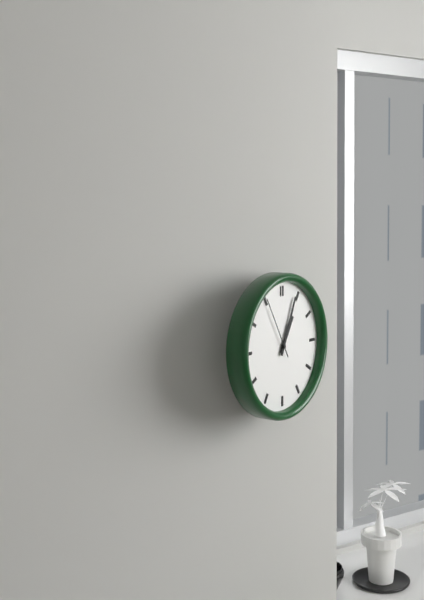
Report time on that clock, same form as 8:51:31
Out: 1:04:55
